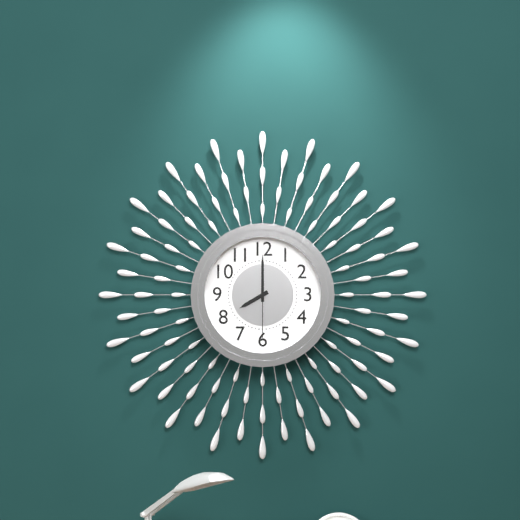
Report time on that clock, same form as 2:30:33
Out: 8:00:30
